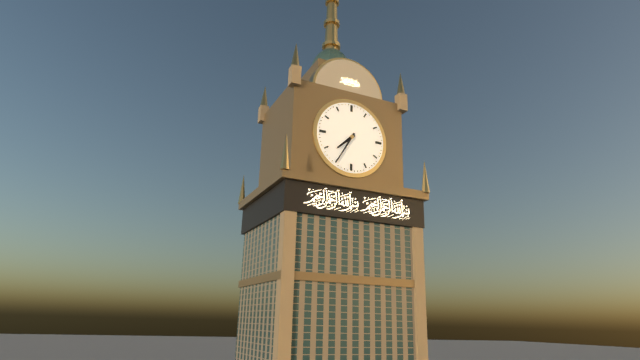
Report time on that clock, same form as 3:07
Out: 7:35
